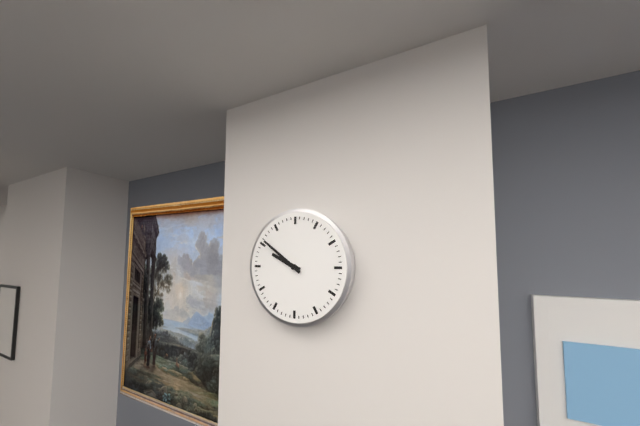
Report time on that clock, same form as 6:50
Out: 9:51
